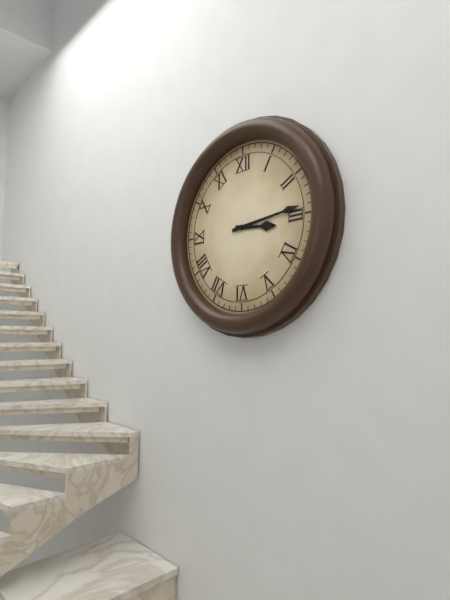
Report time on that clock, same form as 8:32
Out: 3:14
